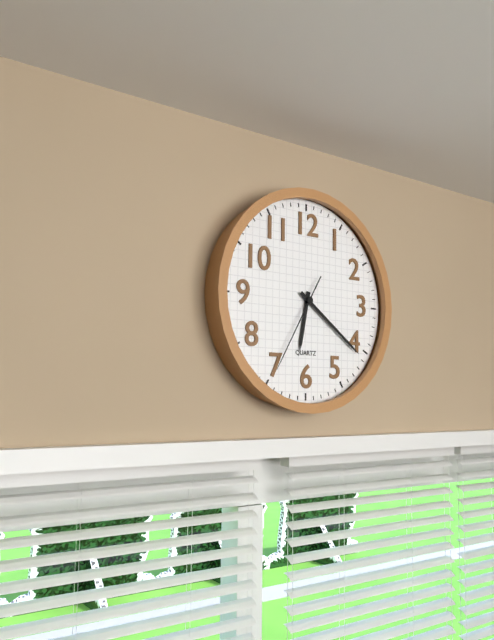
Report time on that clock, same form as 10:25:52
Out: 6:21:35
